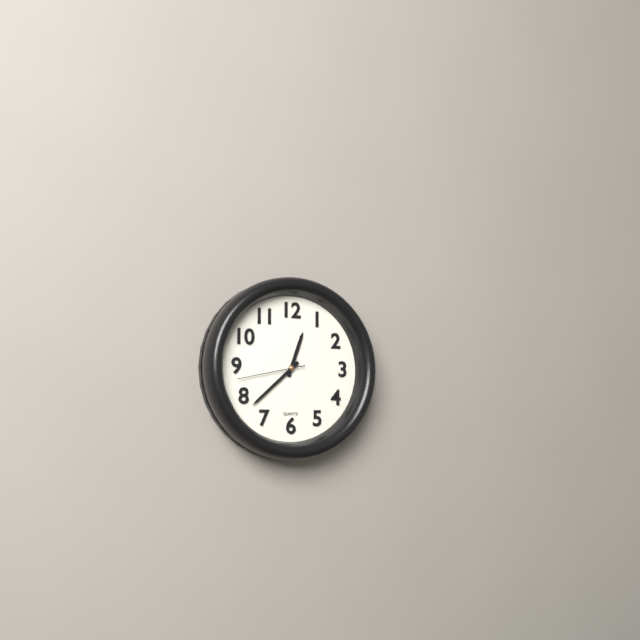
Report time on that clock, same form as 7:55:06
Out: 12:38:43
